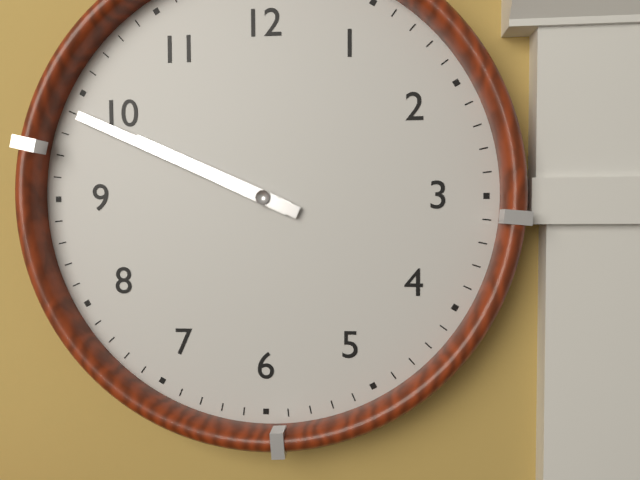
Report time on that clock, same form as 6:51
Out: 9:49
